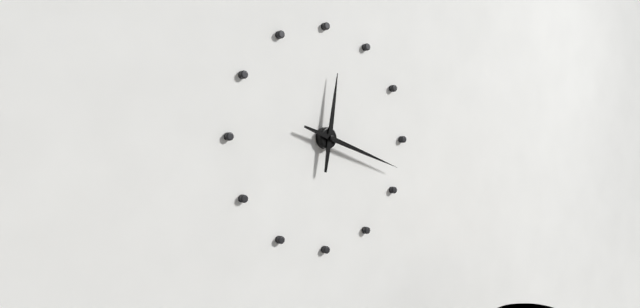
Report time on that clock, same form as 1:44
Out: 12:18
